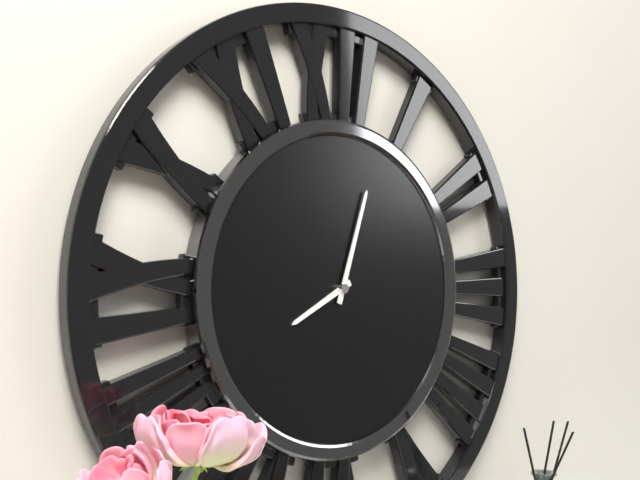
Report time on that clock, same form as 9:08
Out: 8:03
